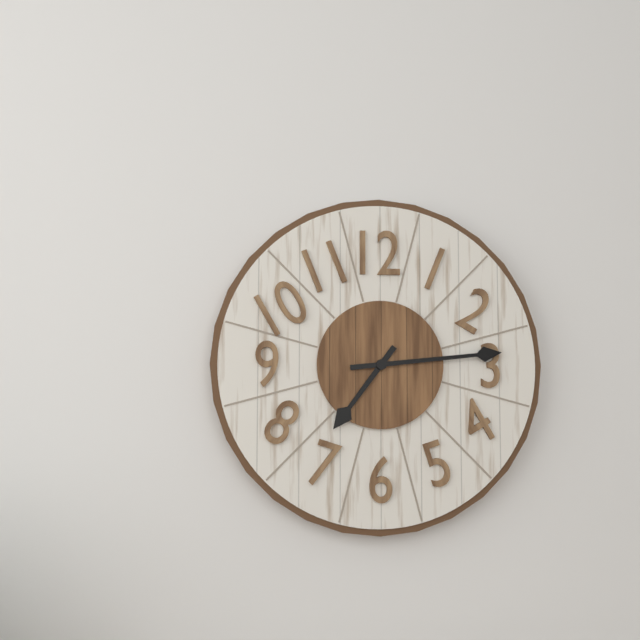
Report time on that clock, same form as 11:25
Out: 7:14
